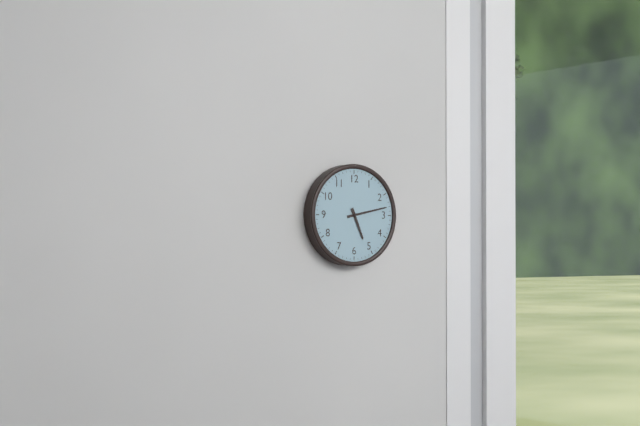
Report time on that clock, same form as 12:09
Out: 5:13
